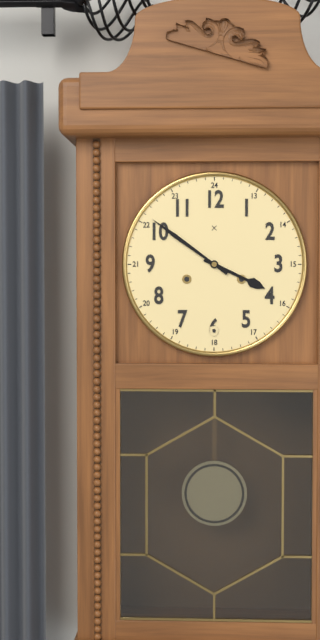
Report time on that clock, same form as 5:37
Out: 3:51
